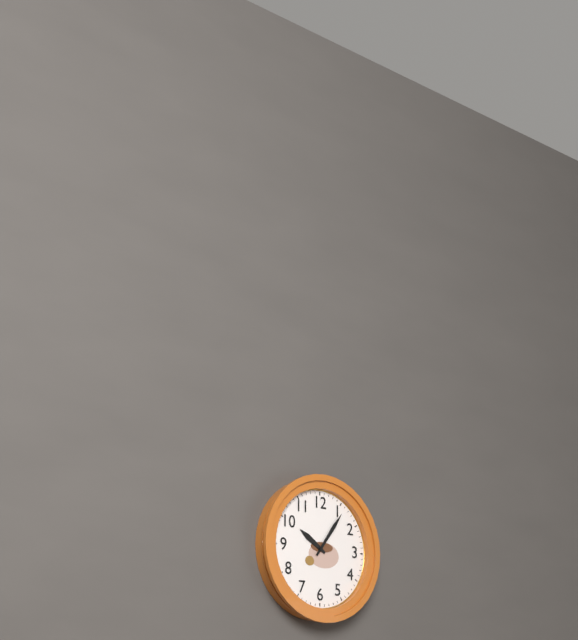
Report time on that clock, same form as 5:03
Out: 10:06
